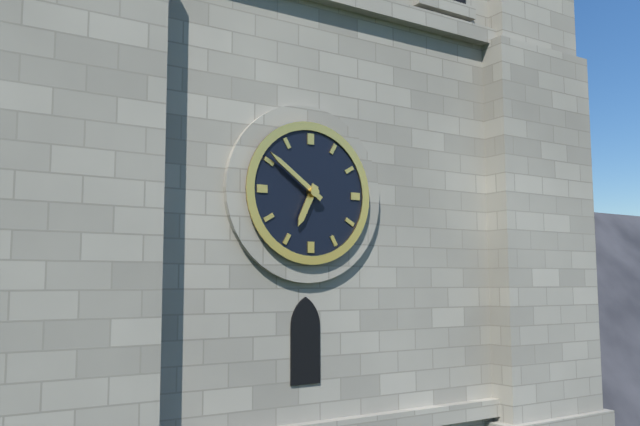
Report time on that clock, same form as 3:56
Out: 6:51
